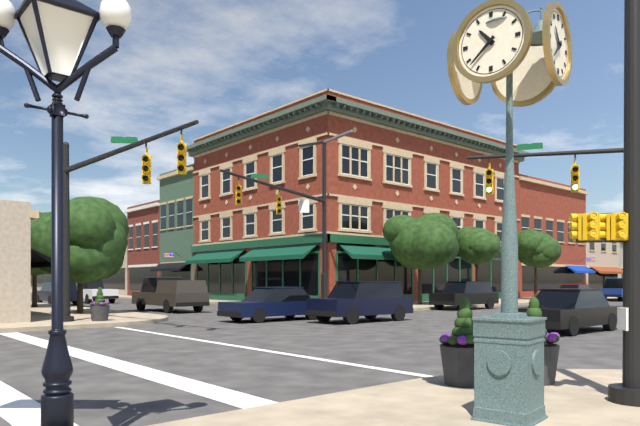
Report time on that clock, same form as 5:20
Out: 10:38
